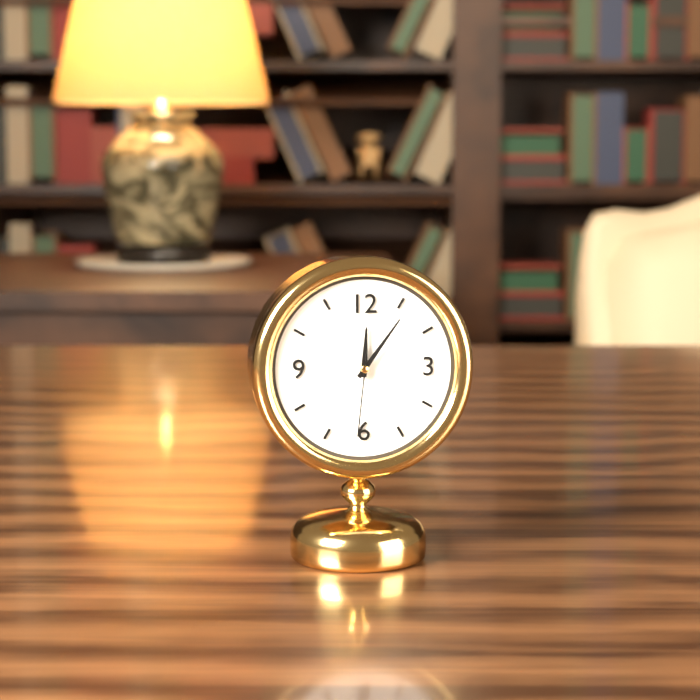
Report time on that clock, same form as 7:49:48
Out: 12:06:31
